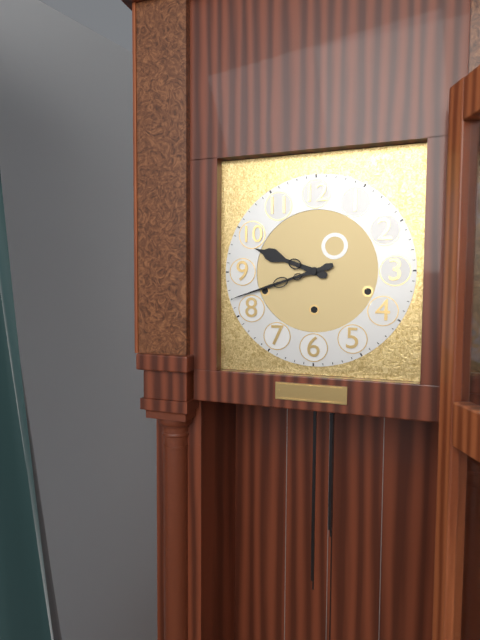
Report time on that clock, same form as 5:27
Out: 9:42
